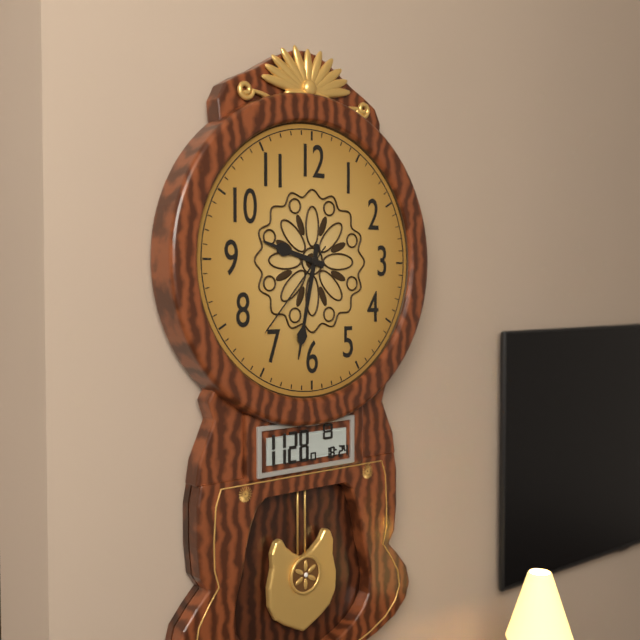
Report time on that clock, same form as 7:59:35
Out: 9:32:37
